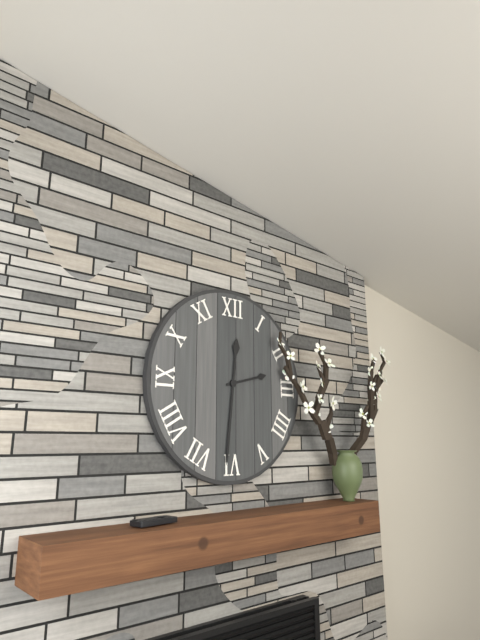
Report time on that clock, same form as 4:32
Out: 2:31
